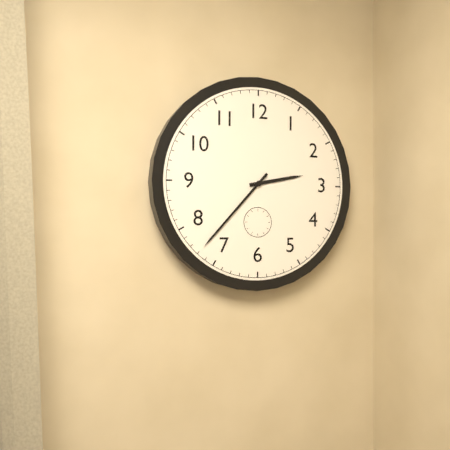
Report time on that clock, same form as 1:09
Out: 2:37
